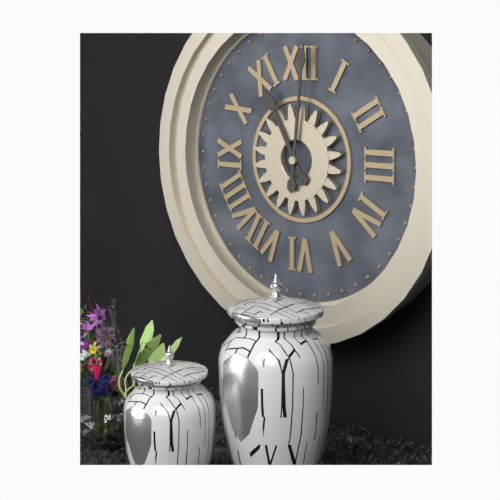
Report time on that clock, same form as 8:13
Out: 11:01
